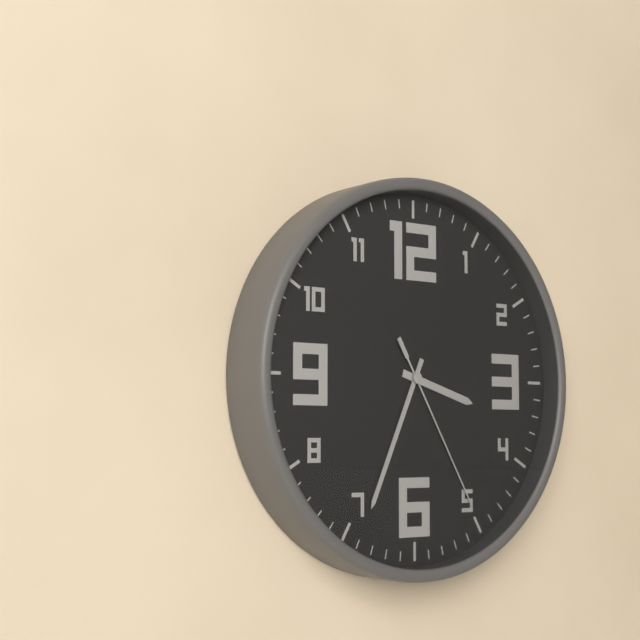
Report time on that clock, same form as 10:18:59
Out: 3:34:25
